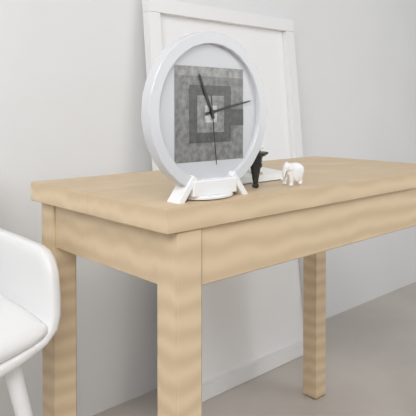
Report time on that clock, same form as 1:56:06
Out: 11:13:29
